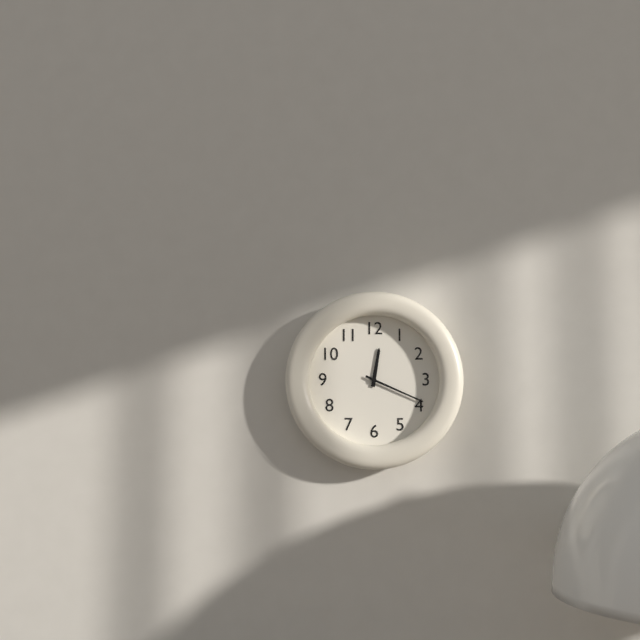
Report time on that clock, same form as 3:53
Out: 12:19
